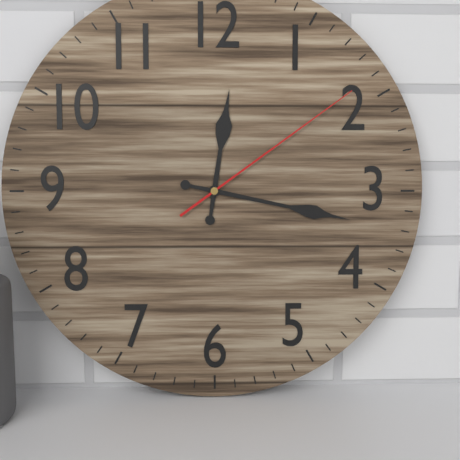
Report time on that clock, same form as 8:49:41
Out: 12:17:09
